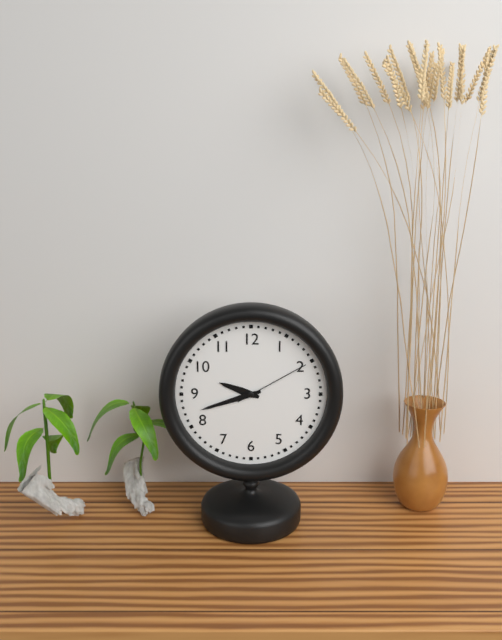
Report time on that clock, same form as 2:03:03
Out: 9:42:10
